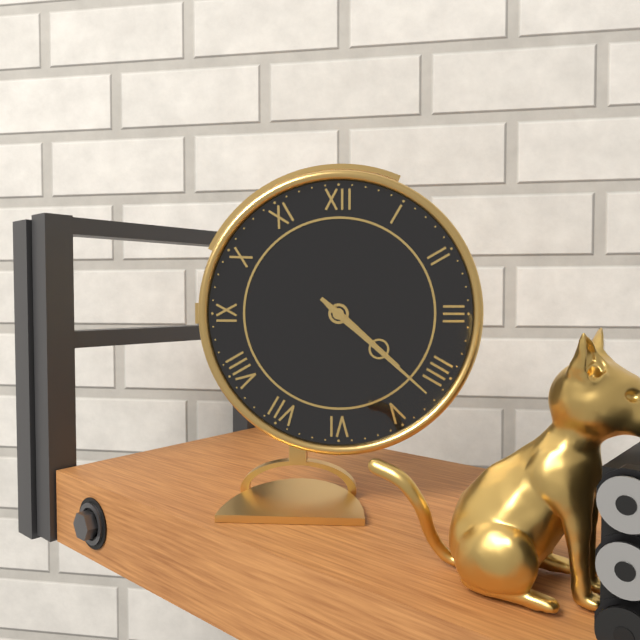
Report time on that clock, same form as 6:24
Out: 4:22
